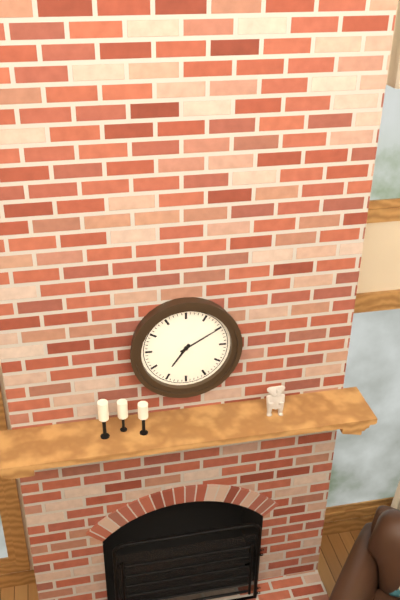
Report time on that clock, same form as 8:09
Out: 7:10
